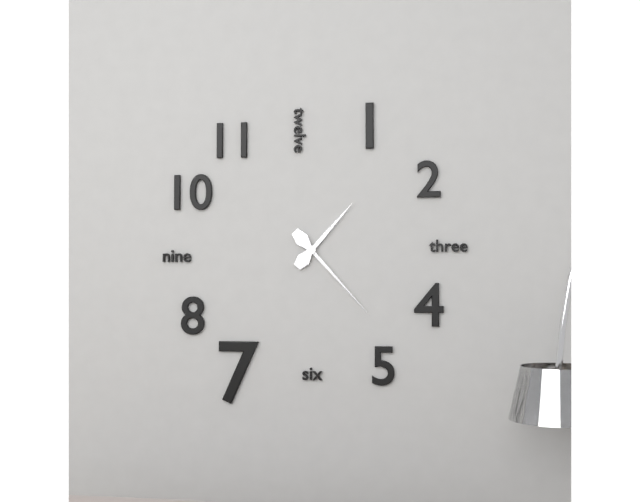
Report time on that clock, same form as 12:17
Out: 1:23
